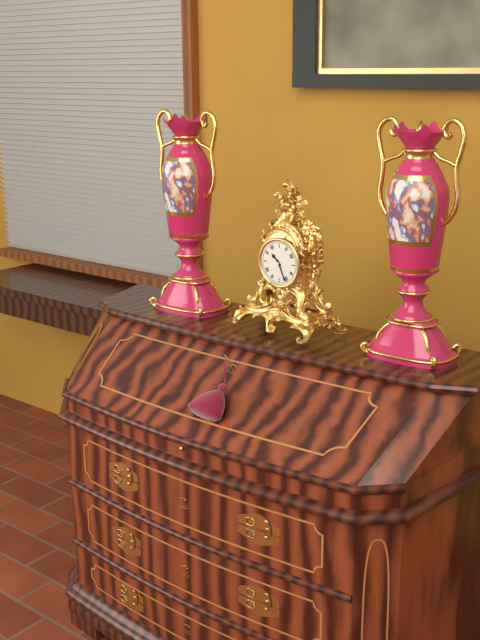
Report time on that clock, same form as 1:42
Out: 10:26
